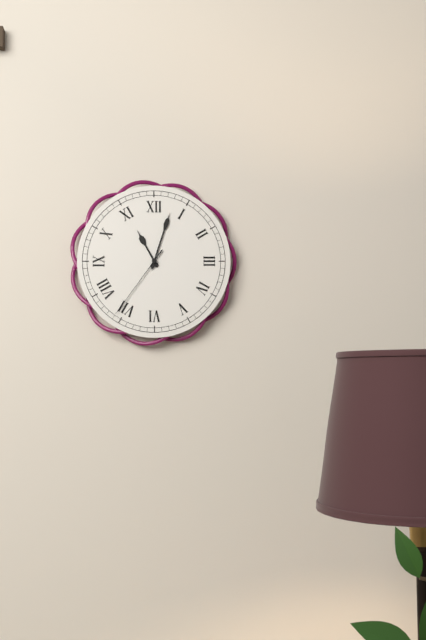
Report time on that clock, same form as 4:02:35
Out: 11:03:36
